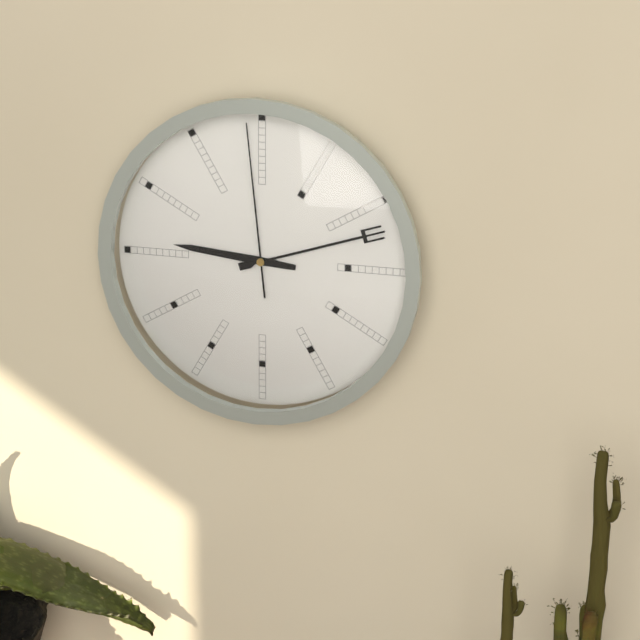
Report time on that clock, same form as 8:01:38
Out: 9:12:59
